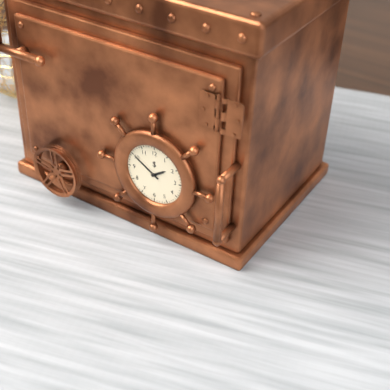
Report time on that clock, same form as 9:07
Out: 1:50
